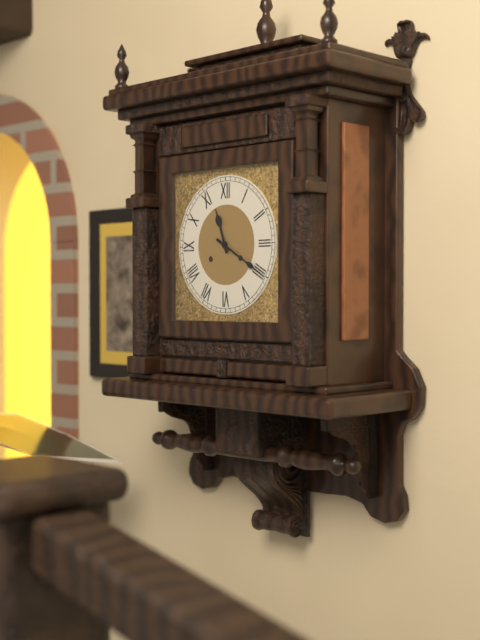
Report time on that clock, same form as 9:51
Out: 11:20
